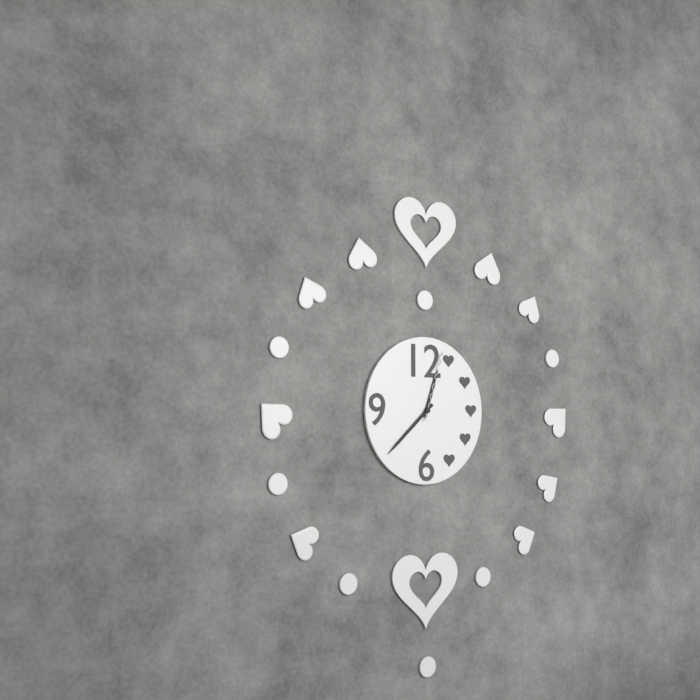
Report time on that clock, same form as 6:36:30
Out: 12:38:03
